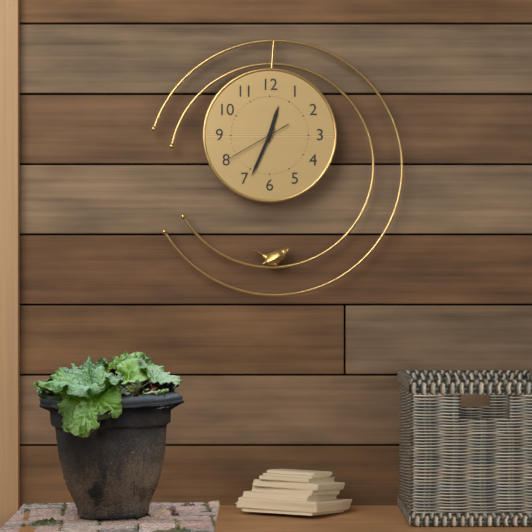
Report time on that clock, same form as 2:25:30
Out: 12:34:40
